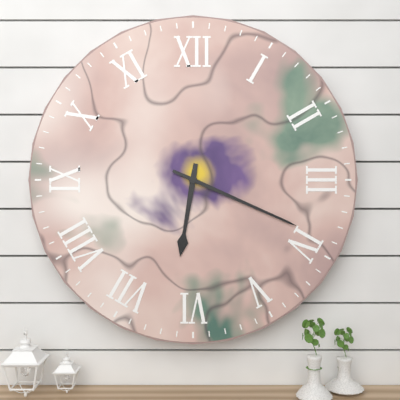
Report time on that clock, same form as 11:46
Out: 6:19
